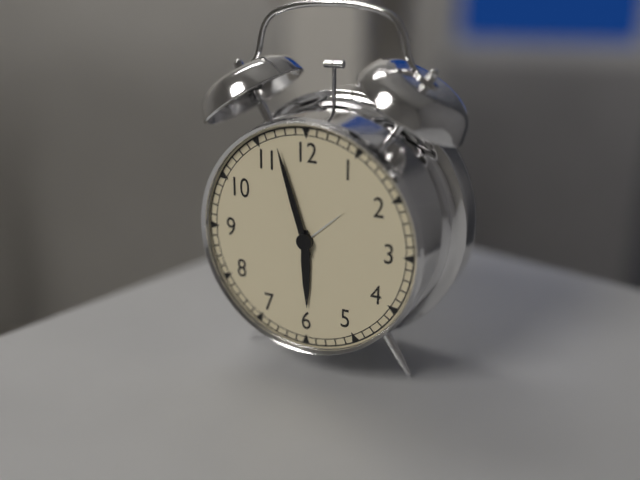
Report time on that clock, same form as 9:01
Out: 5:57
